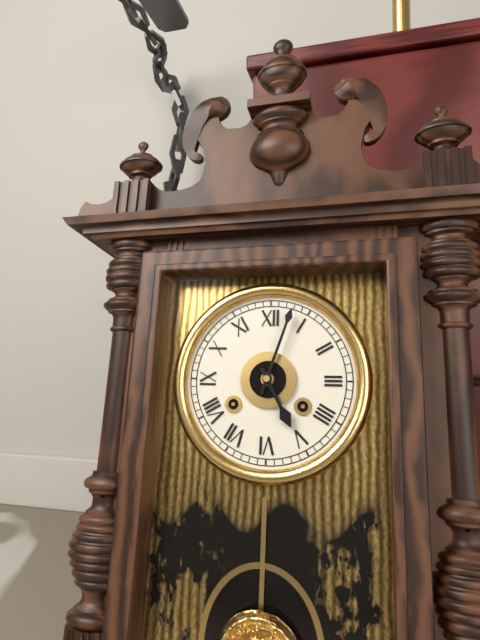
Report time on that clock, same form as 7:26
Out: 5:03
